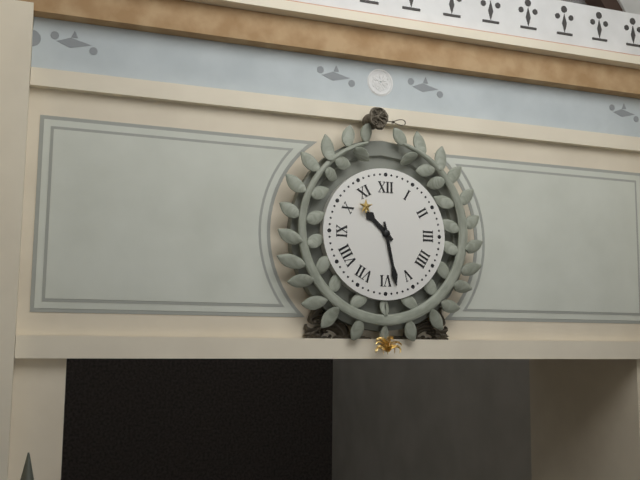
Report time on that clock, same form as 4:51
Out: 10:28
